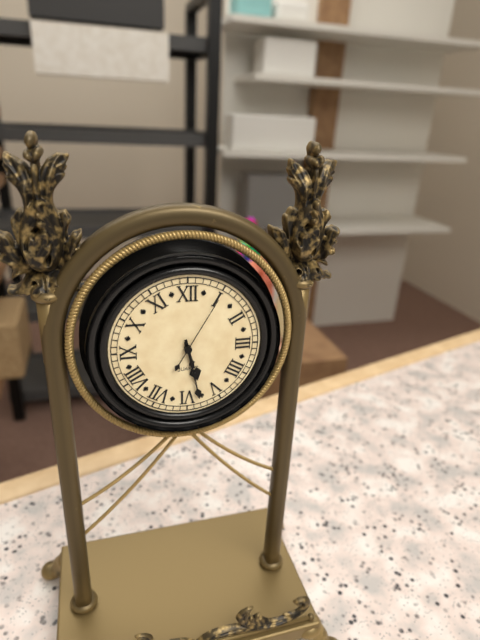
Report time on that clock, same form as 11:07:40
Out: 5:28:05
